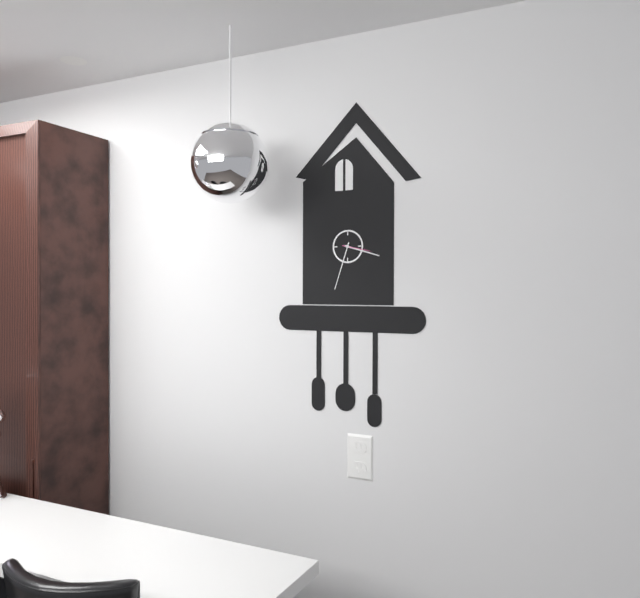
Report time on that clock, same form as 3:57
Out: 3:33
